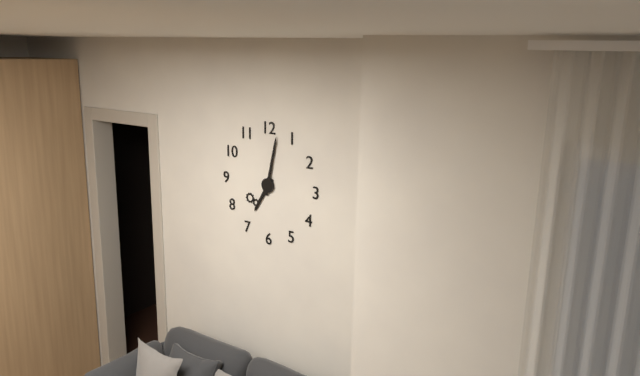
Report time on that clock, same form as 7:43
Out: 7:02
